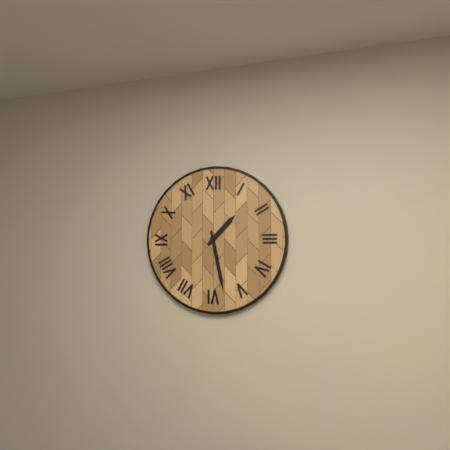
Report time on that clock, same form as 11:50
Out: 1:28
